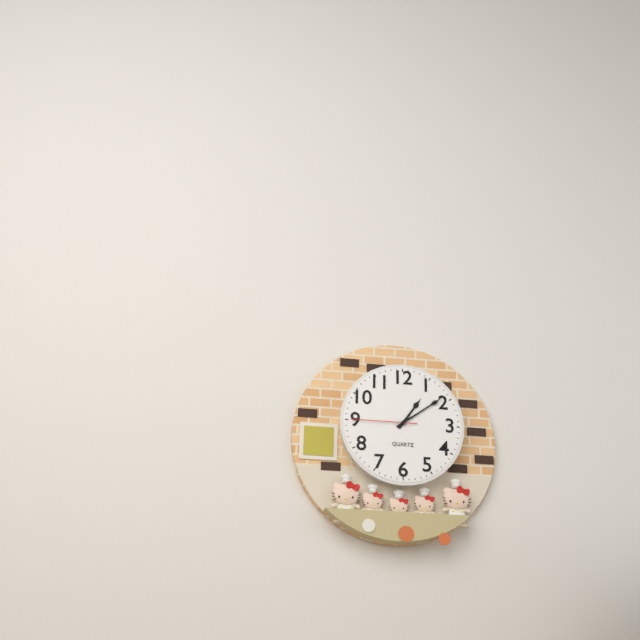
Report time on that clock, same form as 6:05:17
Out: 1:09:45
